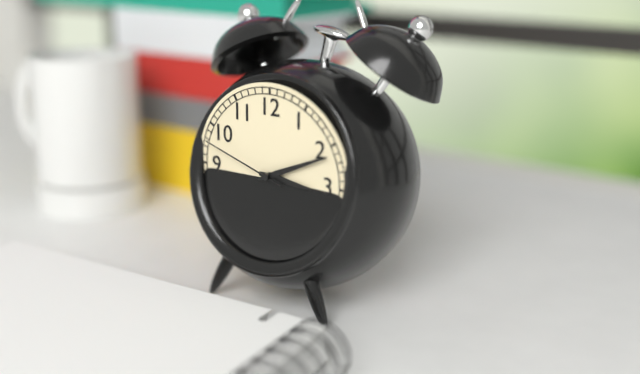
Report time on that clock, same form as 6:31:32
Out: 3:11:48
